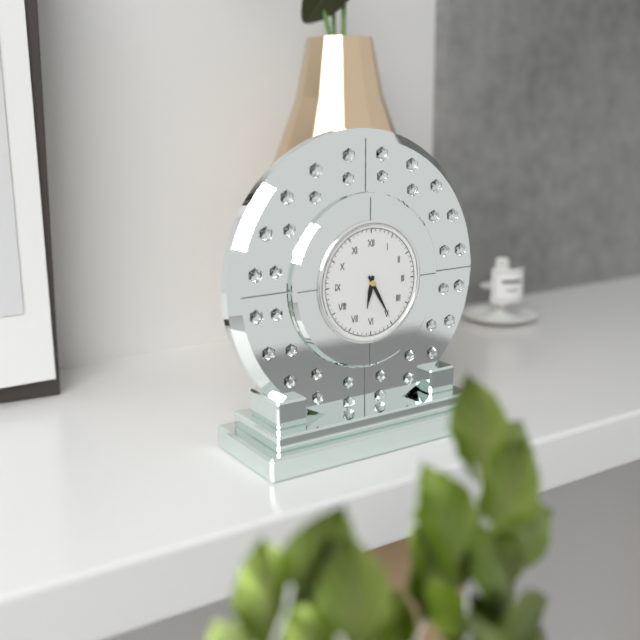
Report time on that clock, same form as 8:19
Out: 6:25
